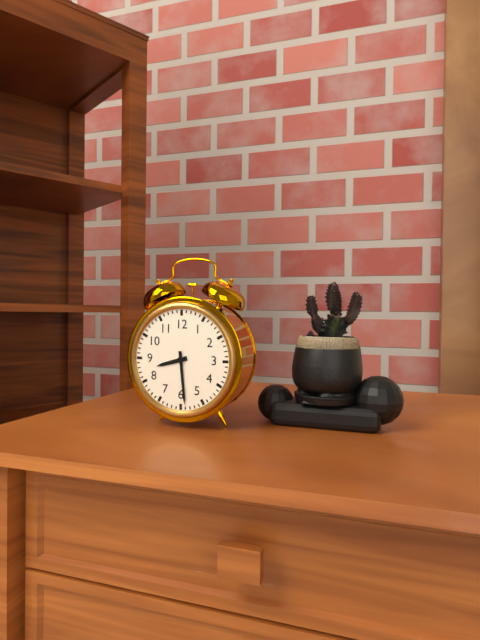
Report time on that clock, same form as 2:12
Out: 8:29
